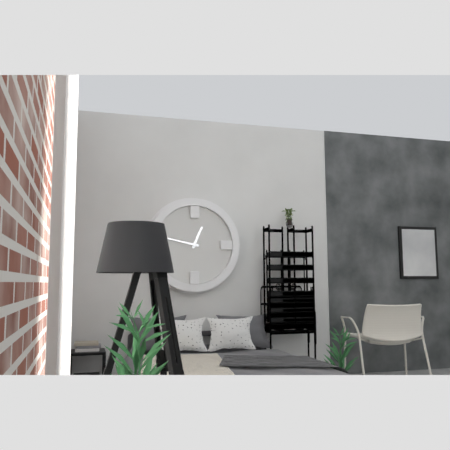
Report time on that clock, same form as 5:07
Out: 12:47
